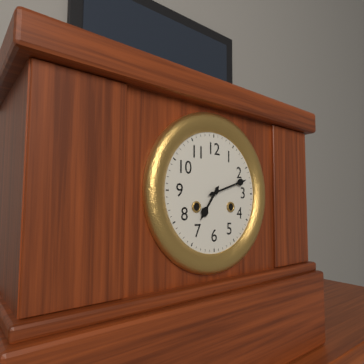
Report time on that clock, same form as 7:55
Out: 7:12
